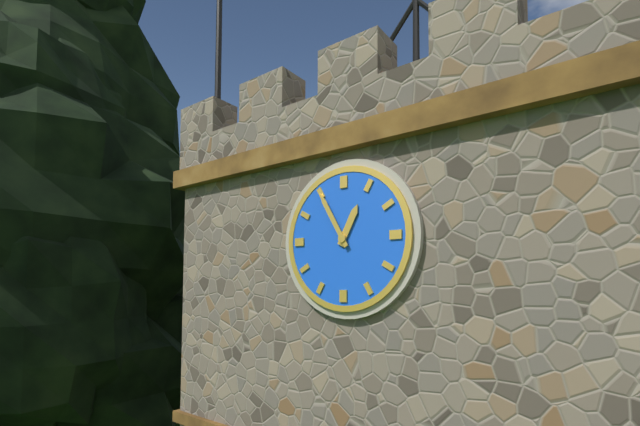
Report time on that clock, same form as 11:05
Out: 12:55
